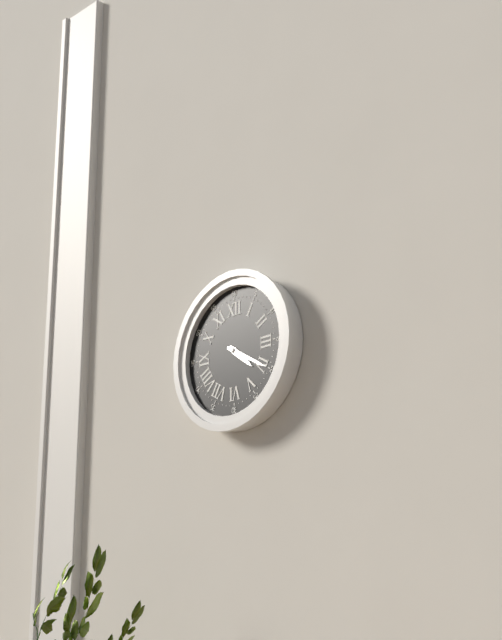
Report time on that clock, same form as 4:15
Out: 4:20
